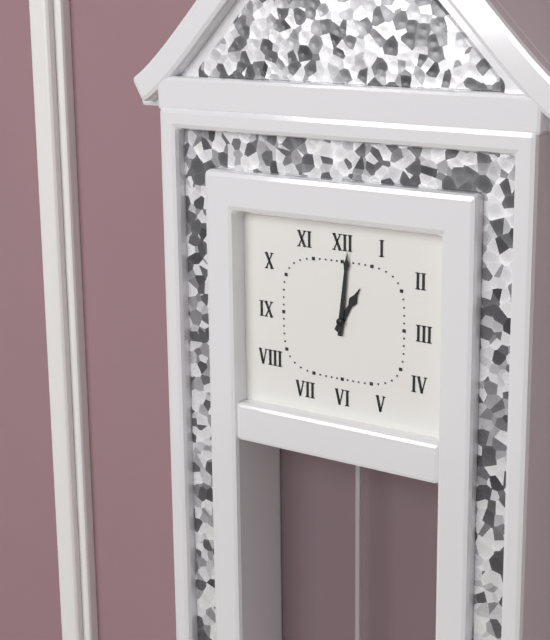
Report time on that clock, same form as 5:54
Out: 1:01
